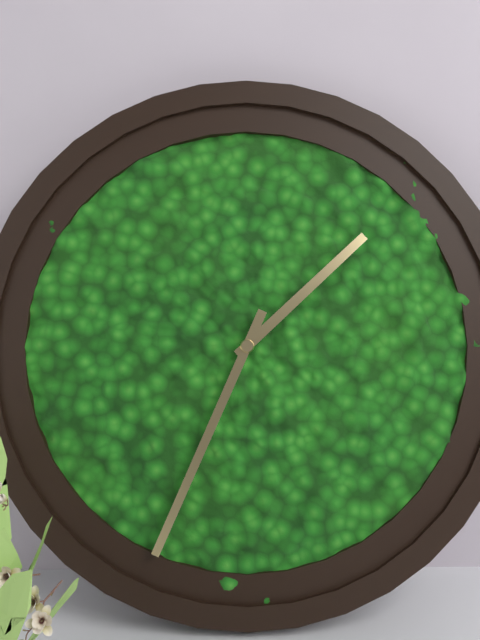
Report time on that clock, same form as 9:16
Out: 1:34
